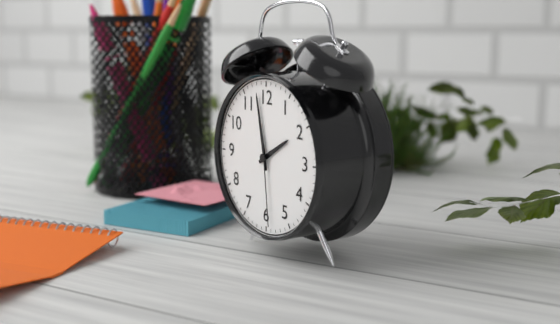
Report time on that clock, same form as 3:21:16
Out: 1:58:29
